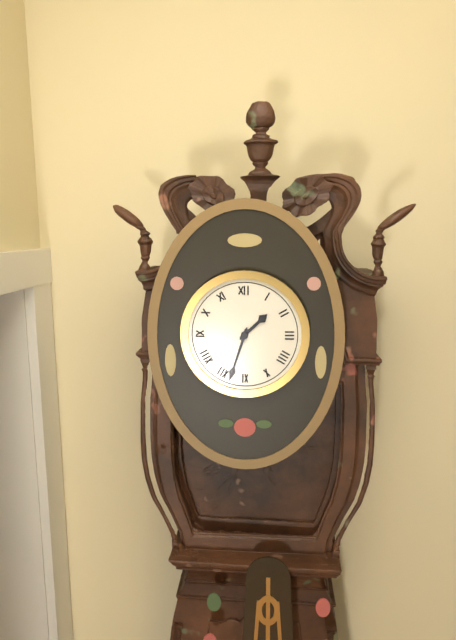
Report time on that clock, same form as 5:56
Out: 1:33
